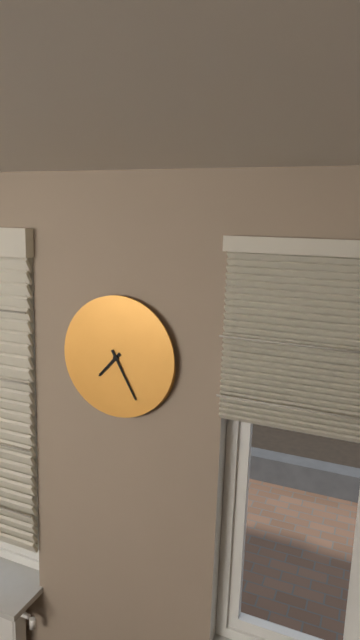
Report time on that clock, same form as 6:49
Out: 7:25
